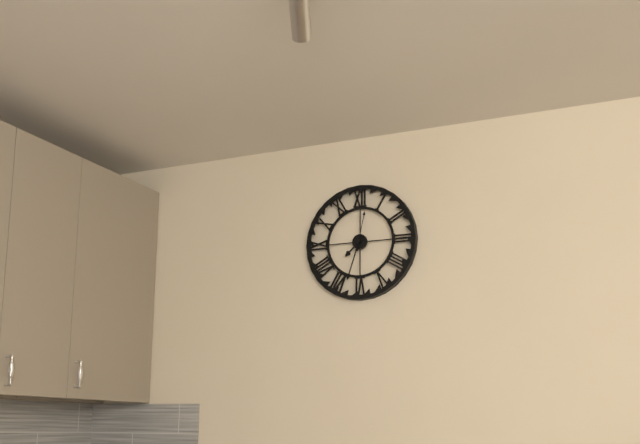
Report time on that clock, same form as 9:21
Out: 7:33
